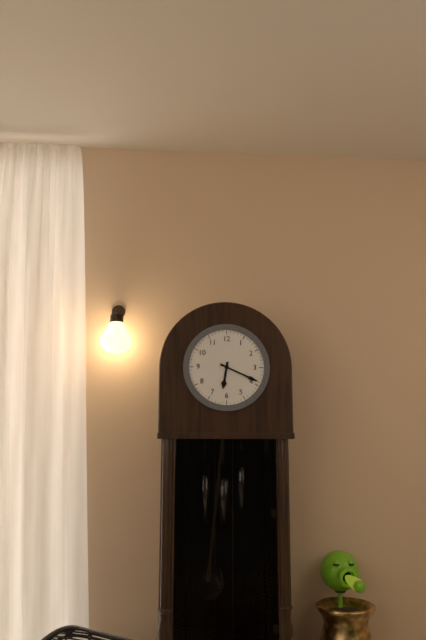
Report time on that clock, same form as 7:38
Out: 6:19
